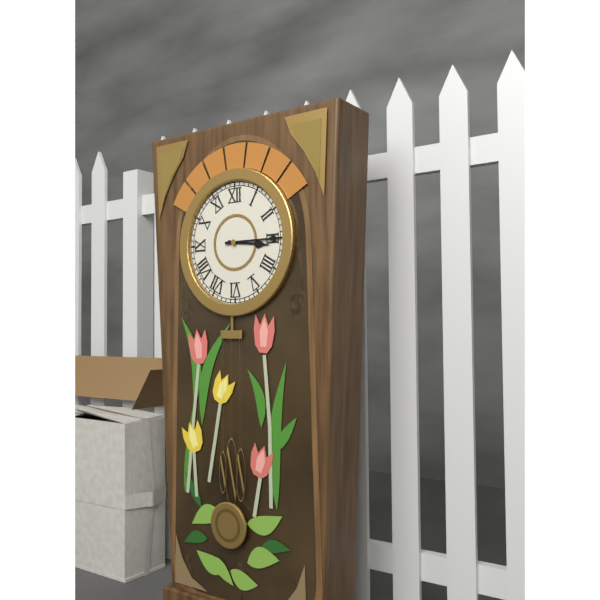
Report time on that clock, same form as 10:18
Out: 3:15
